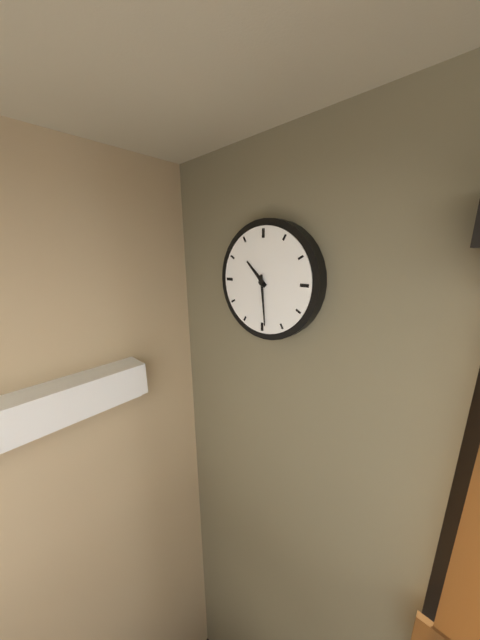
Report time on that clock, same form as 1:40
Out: 10:29
